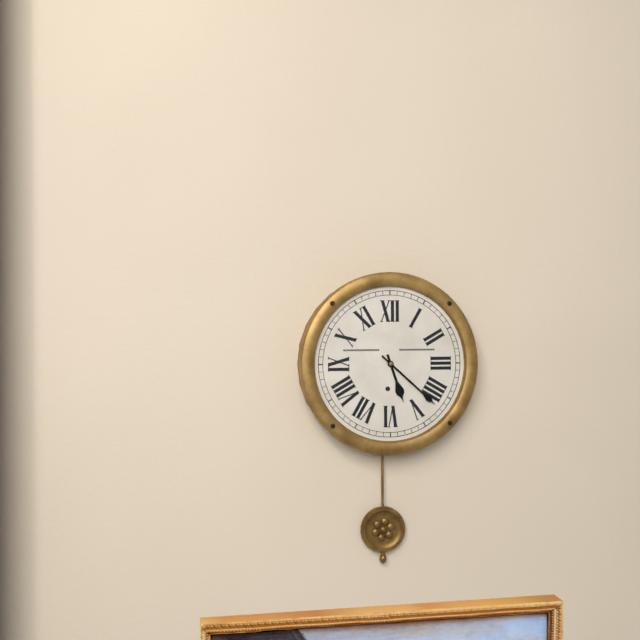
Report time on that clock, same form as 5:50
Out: 5:22
